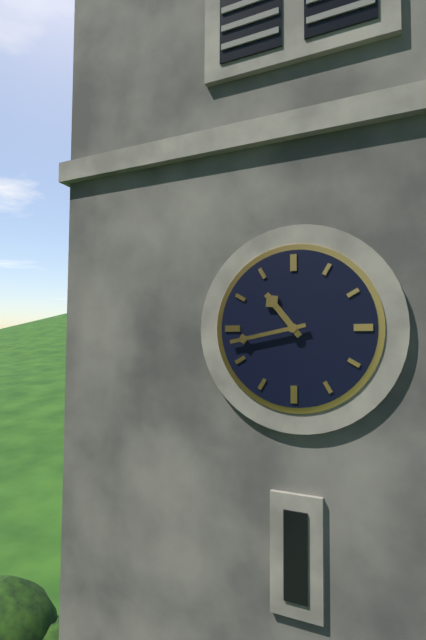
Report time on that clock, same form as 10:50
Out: 10:43
